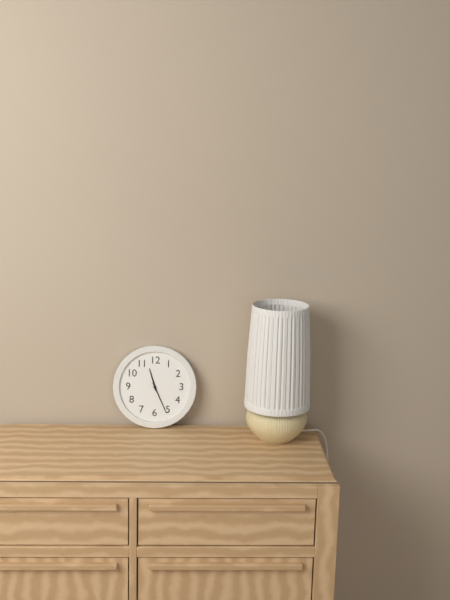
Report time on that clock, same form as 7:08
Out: 11:26
